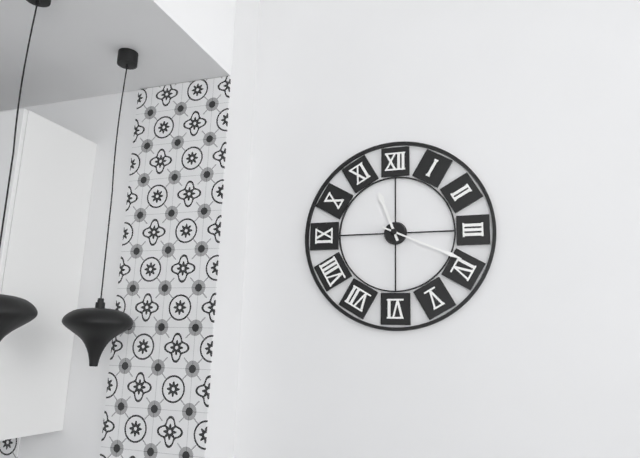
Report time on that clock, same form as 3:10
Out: 11:19
